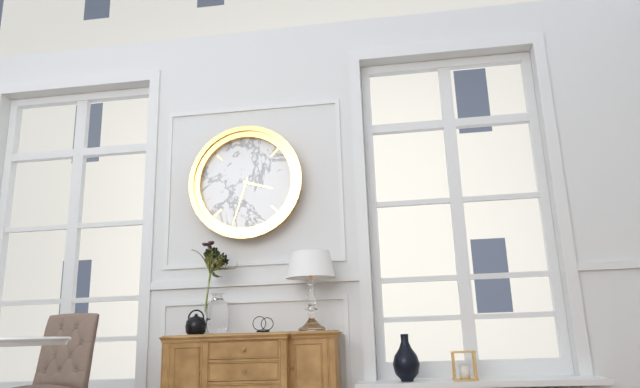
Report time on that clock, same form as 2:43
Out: 3:33
